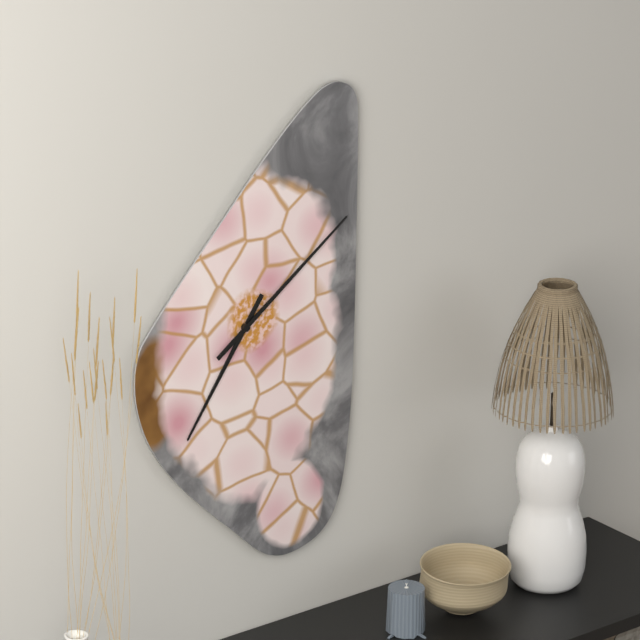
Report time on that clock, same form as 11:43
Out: 7:09
